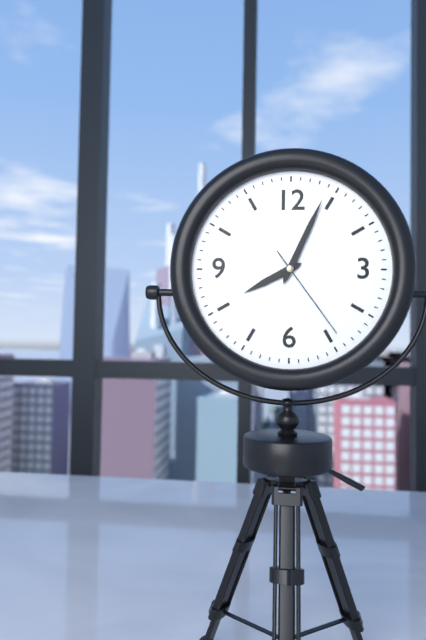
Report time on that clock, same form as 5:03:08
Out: 8:04:24
